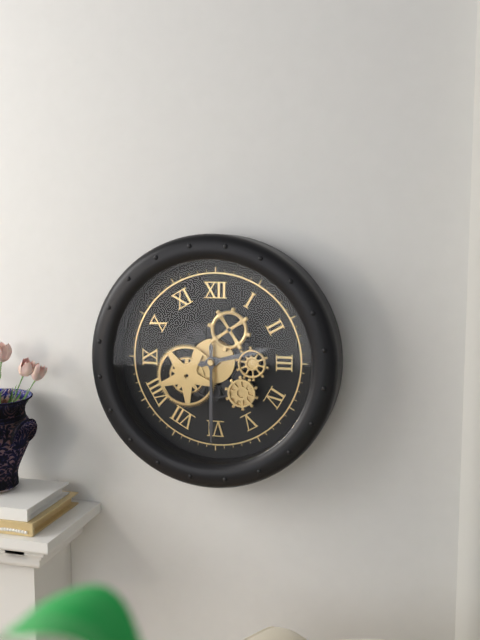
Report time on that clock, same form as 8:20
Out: 2:30
